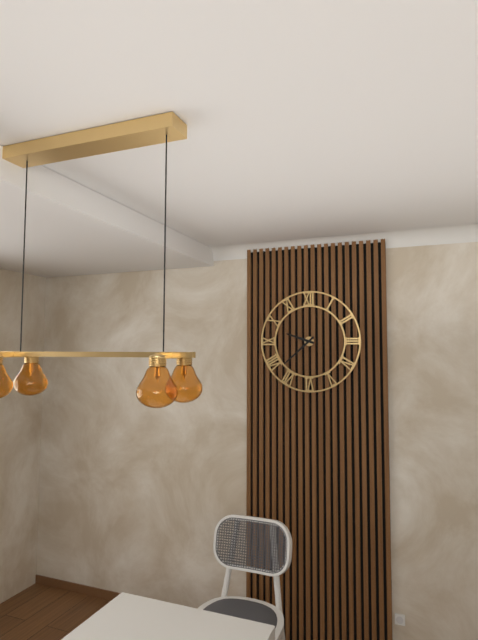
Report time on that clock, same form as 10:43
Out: 9:38
